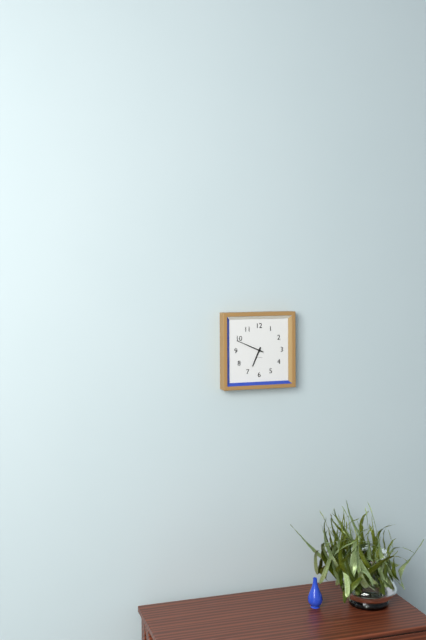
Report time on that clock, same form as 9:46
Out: 6:49
